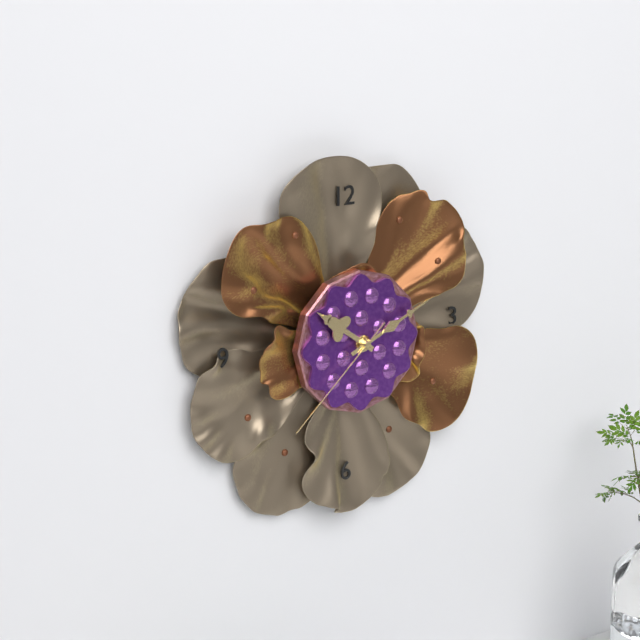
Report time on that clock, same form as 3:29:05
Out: 10:11:38
